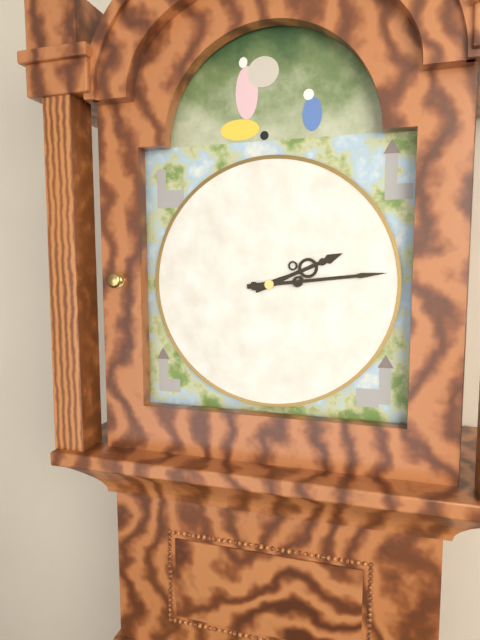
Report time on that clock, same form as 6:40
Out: 2:14
